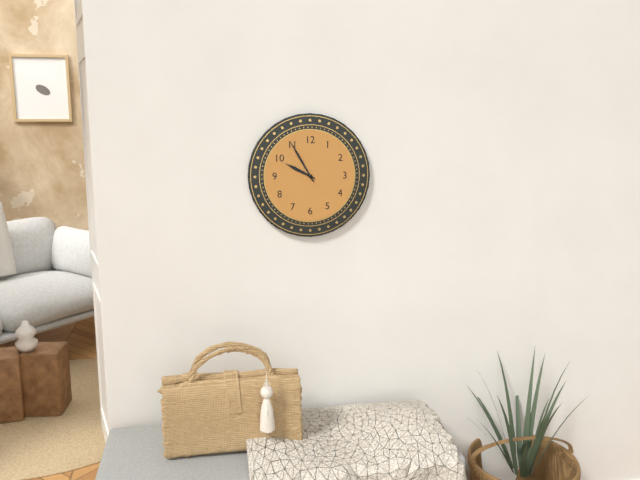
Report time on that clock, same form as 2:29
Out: 9:55
